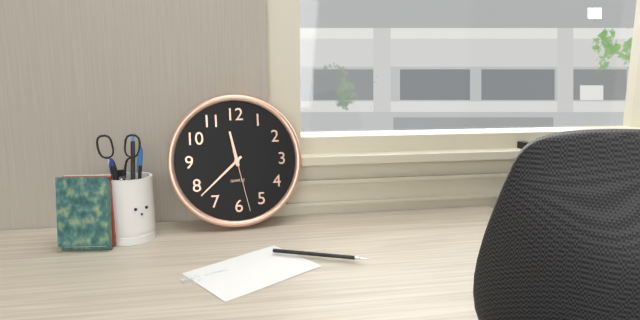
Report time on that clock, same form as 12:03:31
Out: 11:38:28
